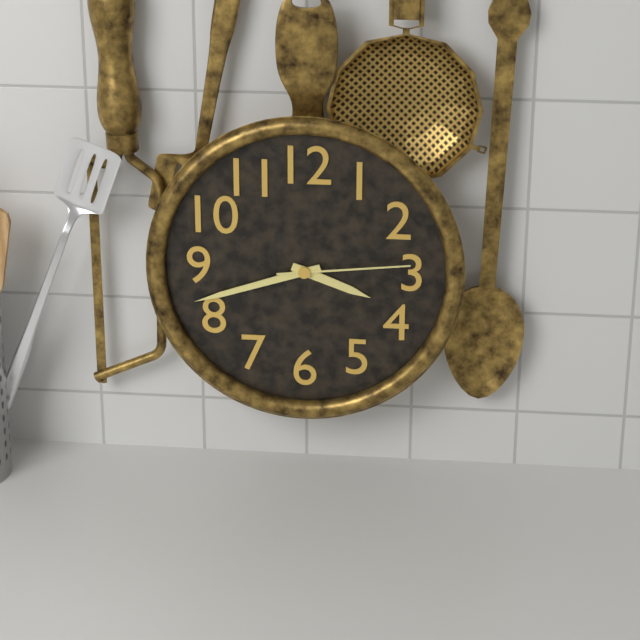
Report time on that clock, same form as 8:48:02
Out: 3:42:14
